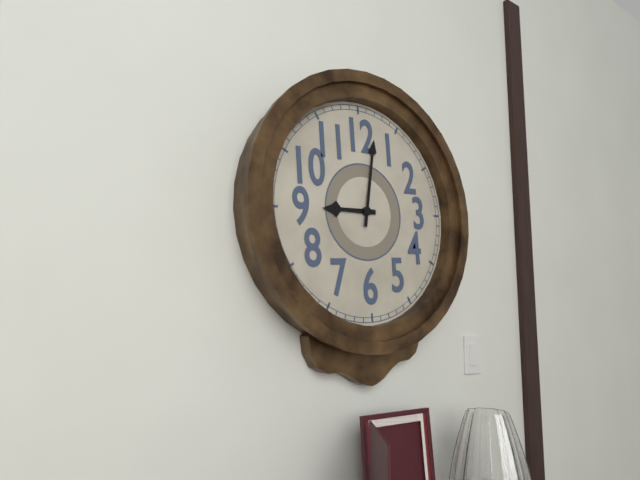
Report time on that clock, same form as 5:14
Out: 9:02
